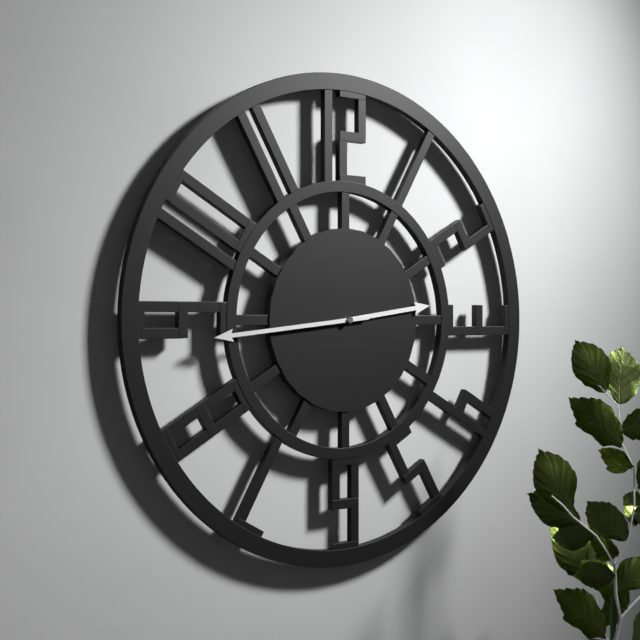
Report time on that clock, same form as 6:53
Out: 2:44
